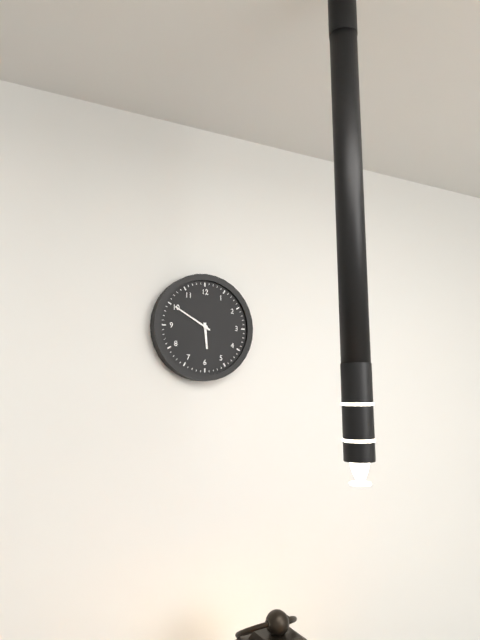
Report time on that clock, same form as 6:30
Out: 5:50
